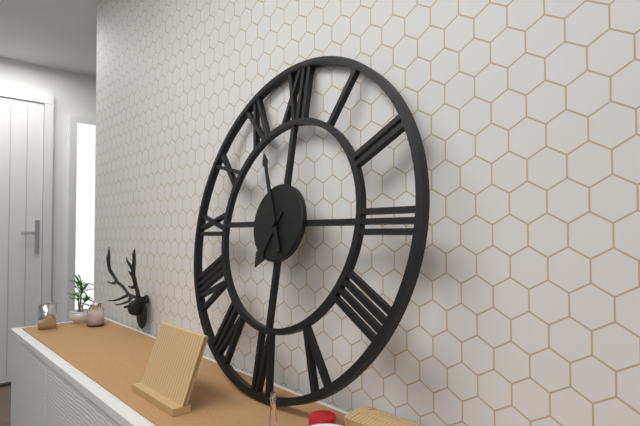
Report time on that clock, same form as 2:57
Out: 6:56
